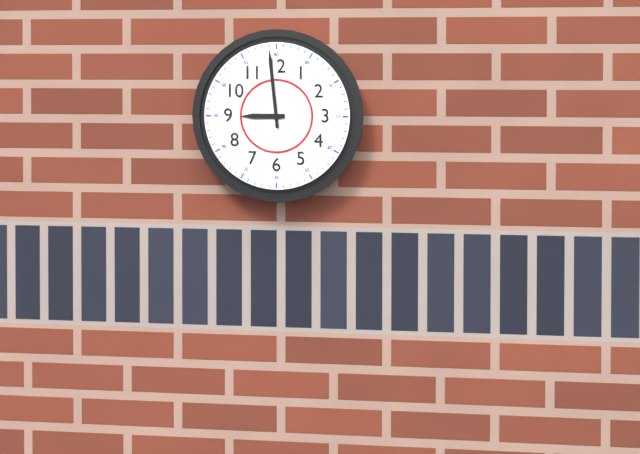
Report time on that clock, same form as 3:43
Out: 8:59
